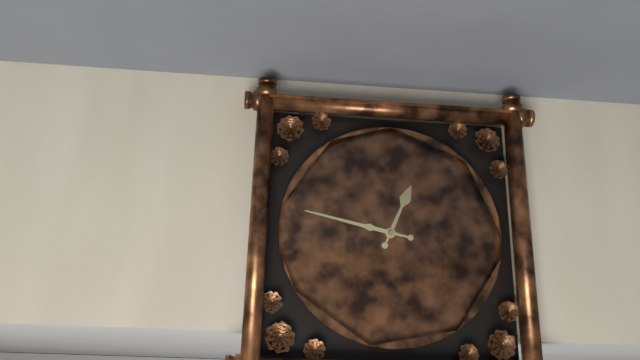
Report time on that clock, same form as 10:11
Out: 12:47
